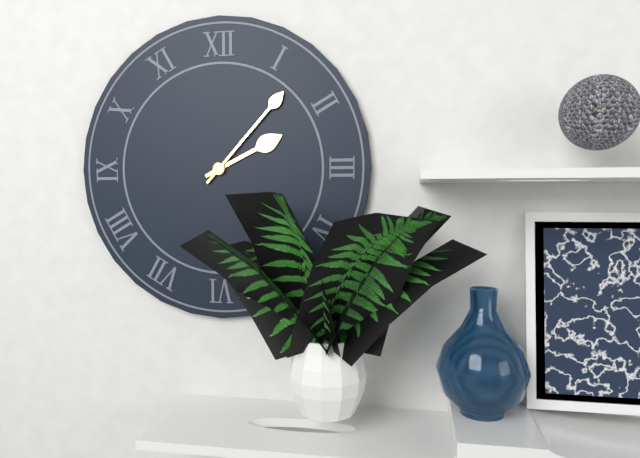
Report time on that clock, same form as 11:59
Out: 2:07
